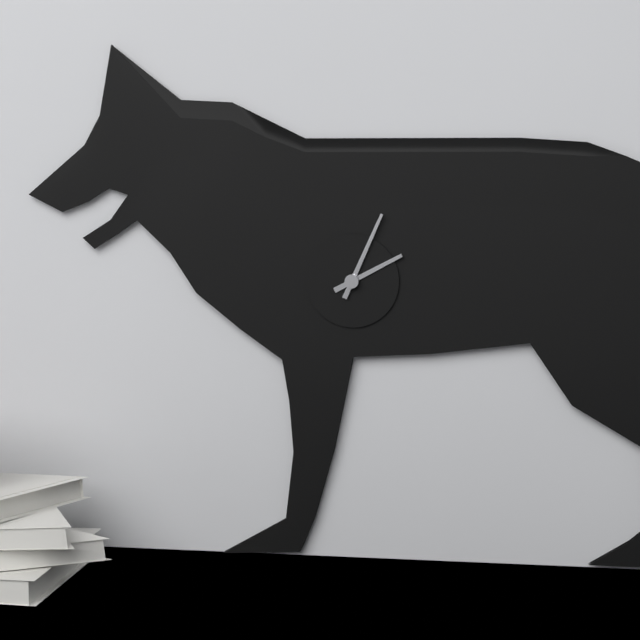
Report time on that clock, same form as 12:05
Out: 2:04
